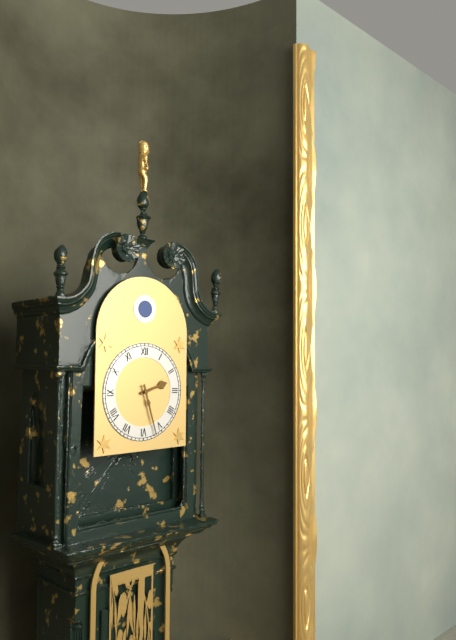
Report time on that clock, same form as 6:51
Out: 2:27
